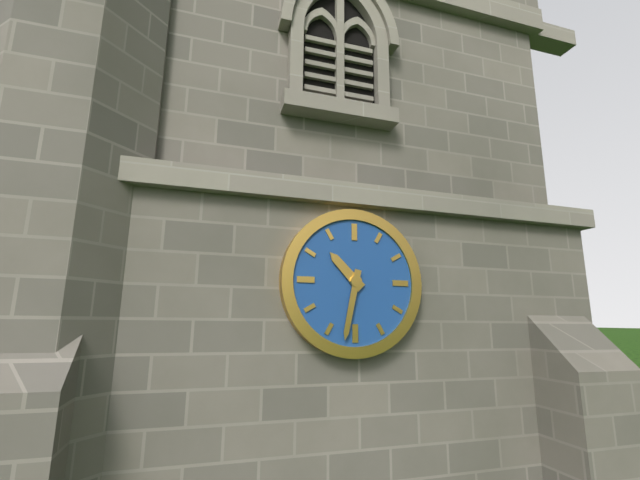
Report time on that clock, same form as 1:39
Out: 10:32
